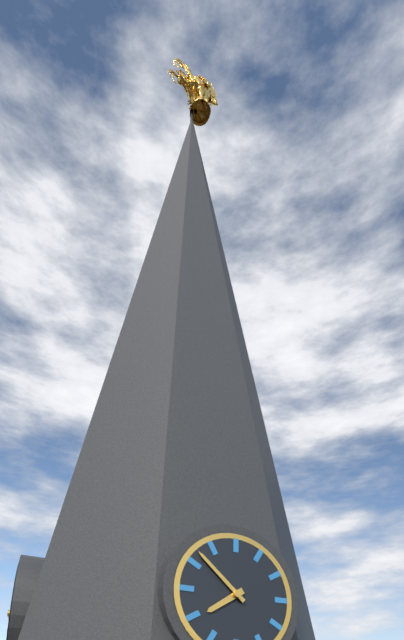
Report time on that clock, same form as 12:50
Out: 7:52
